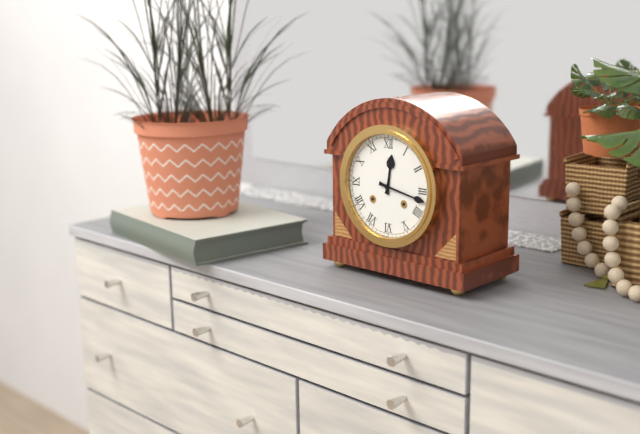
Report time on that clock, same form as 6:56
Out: 12:17
